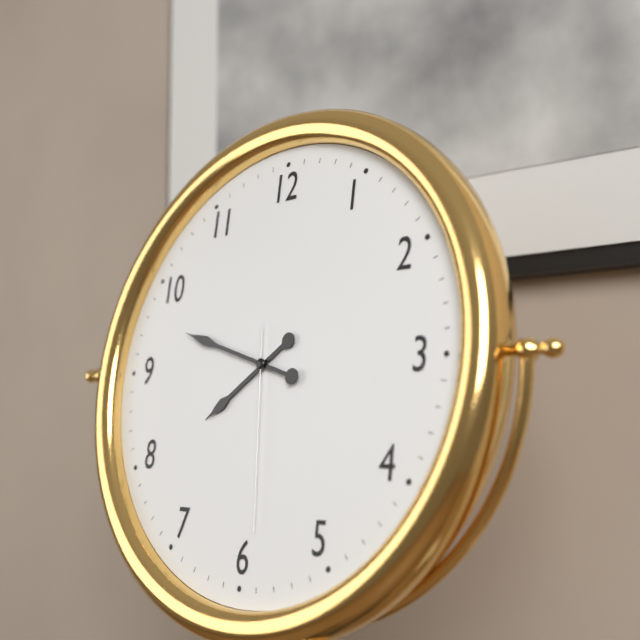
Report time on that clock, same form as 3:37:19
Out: 7:48:29
